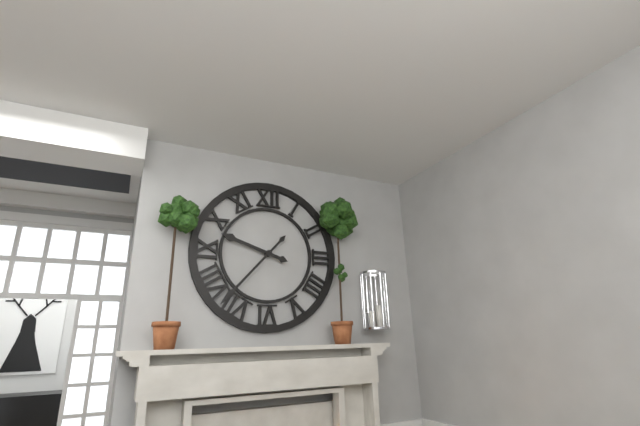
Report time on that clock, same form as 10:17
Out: 9:37
